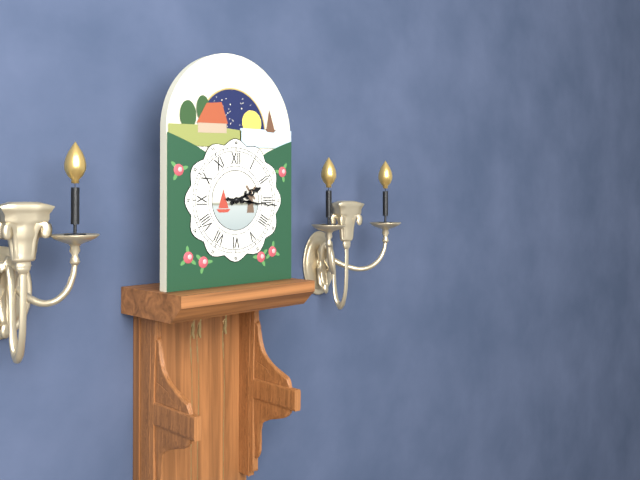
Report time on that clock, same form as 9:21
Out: 2:16
